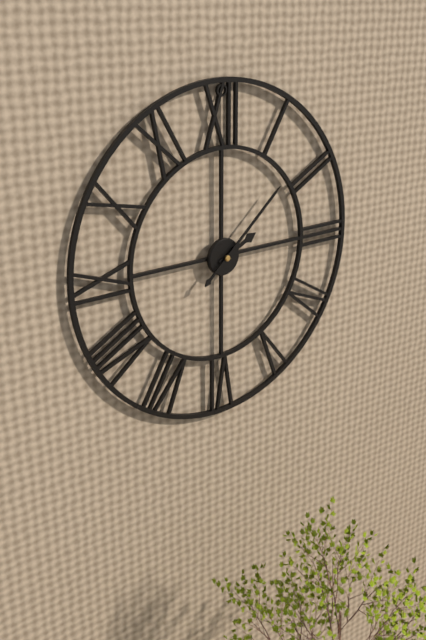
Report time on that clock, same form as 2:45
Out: 2:08
